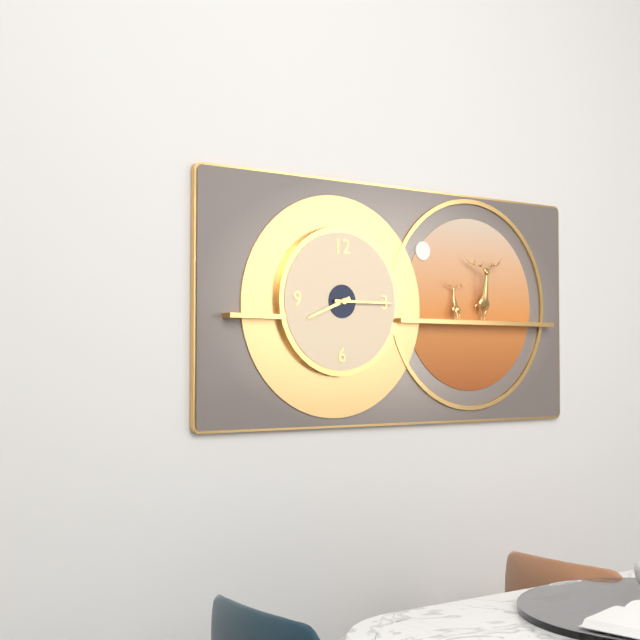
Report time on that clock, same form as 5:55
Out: 8:15
